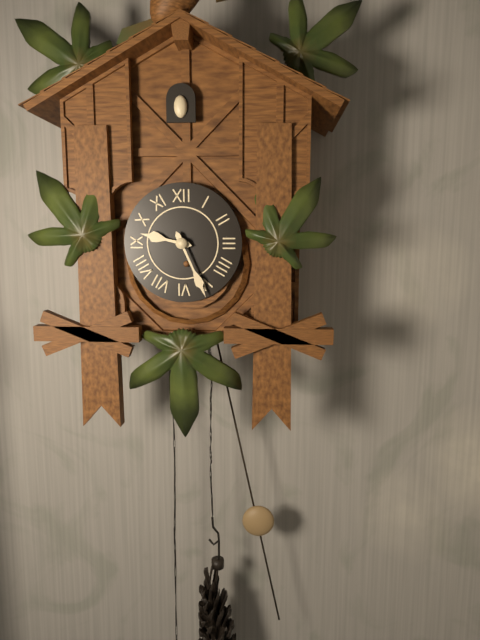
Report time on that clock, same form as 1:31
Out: 9:26
